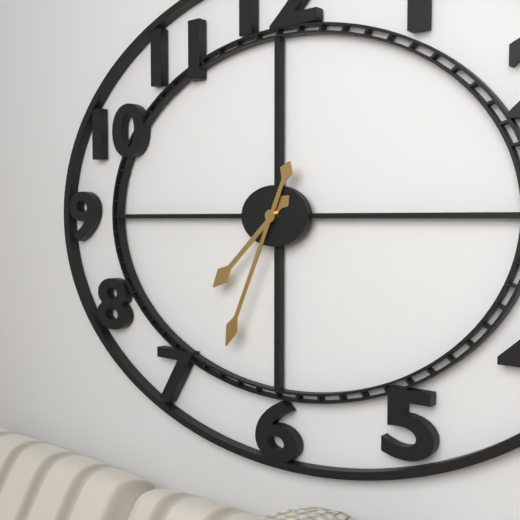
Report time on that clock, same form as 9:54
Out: 7:34
